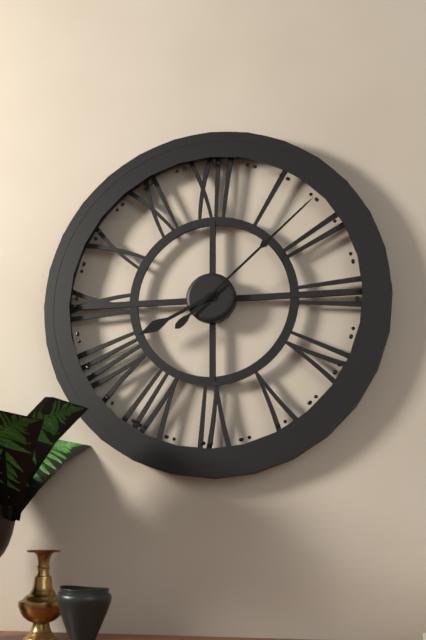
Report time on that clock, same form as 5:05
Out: 8:08
